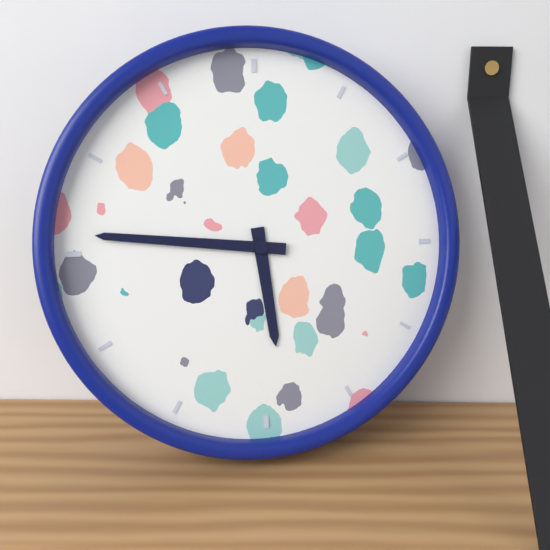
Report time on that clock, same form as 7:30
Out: 5:46
